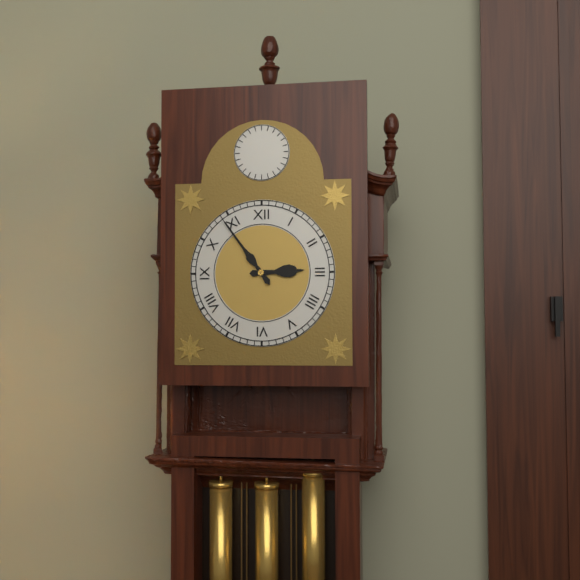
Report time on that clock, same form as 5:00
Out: 2:54
